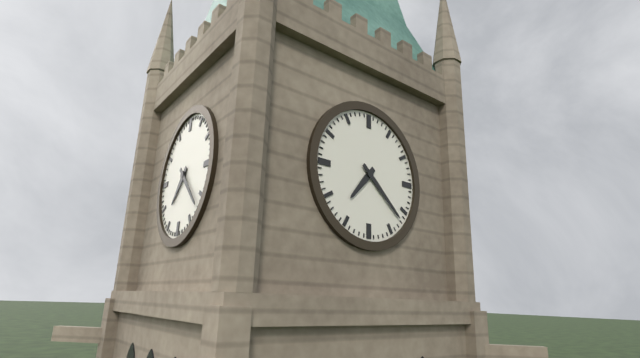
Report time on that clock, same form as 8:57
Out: 7:22
